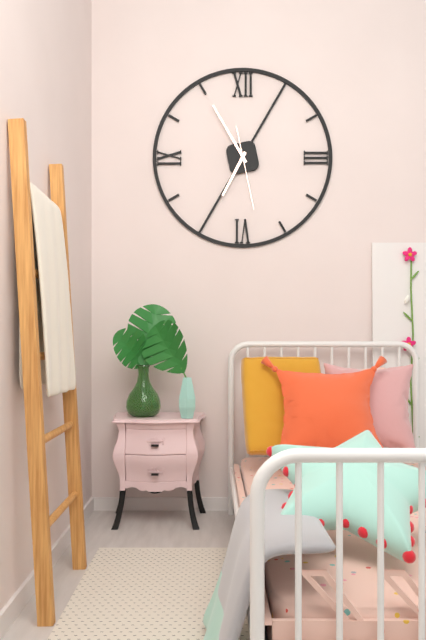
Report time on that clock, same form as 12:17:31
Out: 6:55:28
